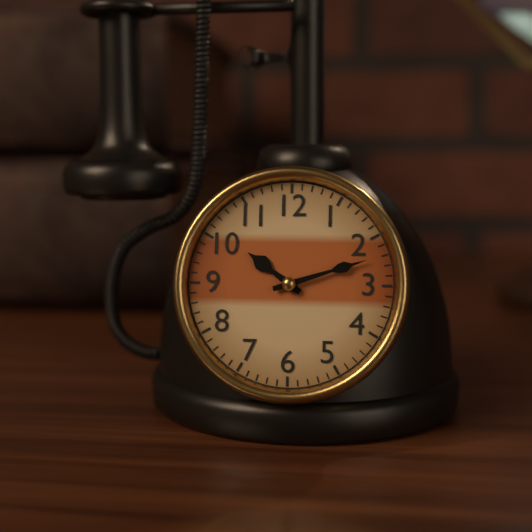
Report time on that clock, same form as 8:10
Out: 10:12
